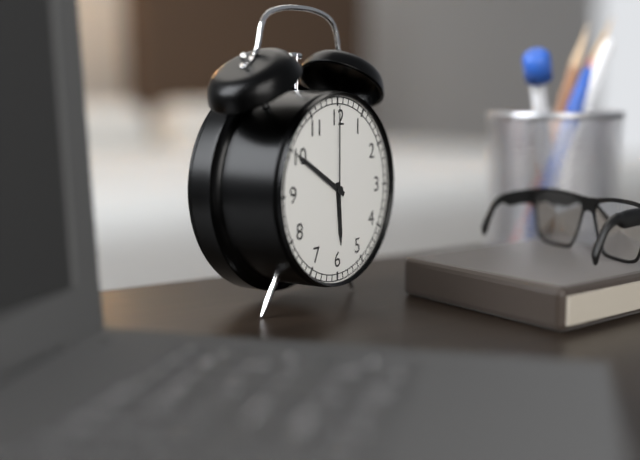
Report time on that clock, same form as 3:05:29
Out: 5:50:00
